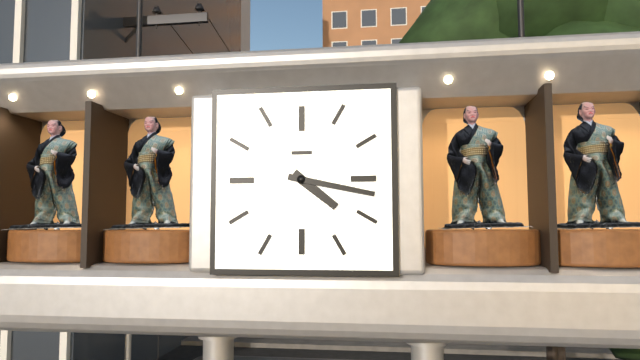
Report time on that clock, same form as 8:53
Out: 4:17
